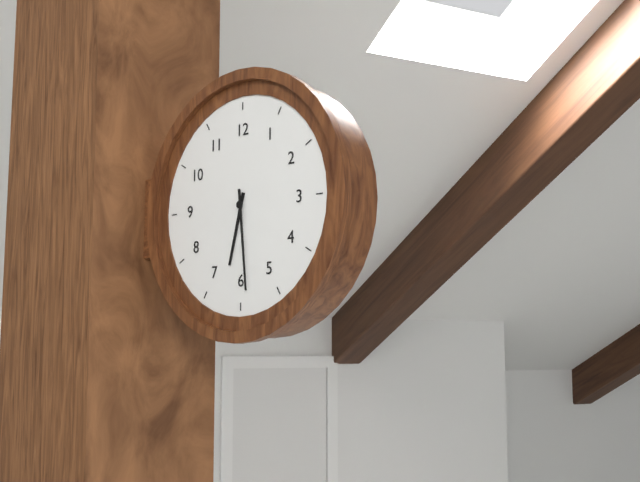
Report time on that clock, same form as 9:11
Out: 6:29
